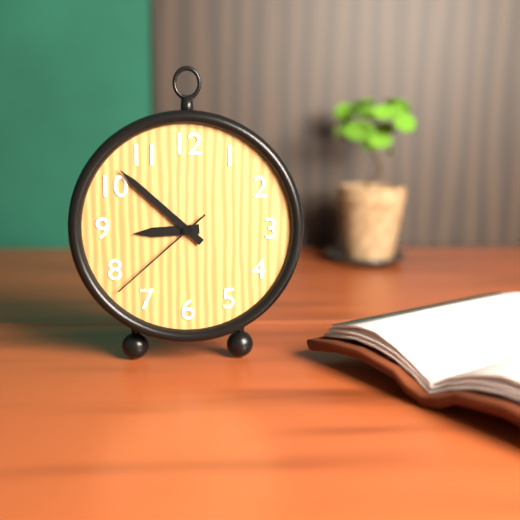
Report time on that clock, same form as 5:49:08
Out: 8:52:38
